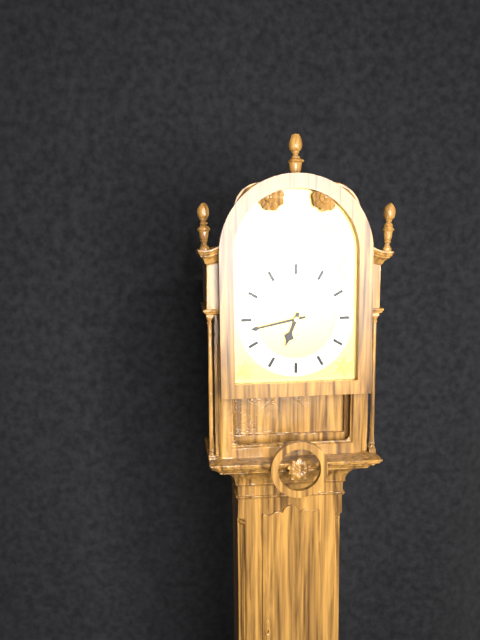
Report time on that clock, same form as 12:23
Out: 6:43
